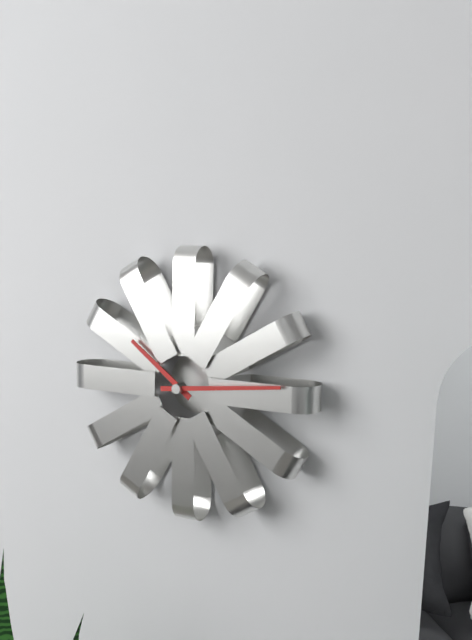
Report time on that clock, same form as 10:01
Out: 10:14
